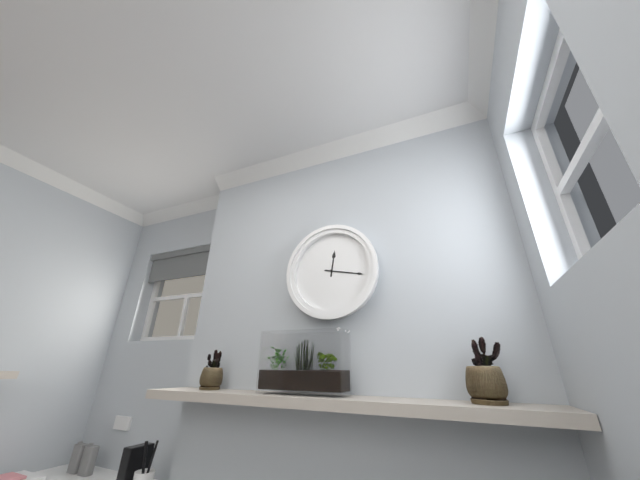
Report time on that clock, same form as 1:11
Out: 12:17
